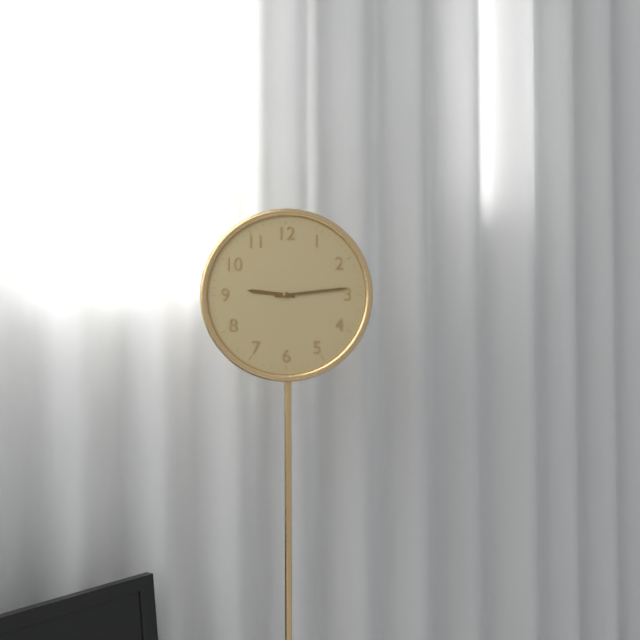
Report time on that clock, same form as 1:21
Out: 9:14
